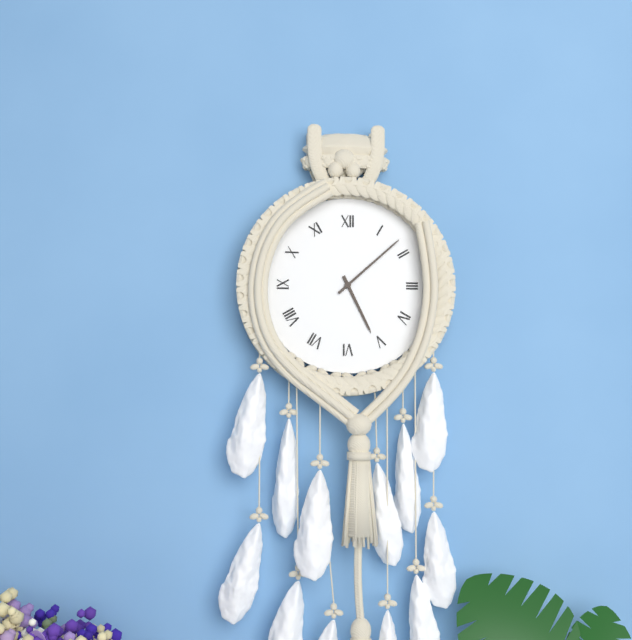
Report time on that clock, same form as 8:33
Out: 5:08
